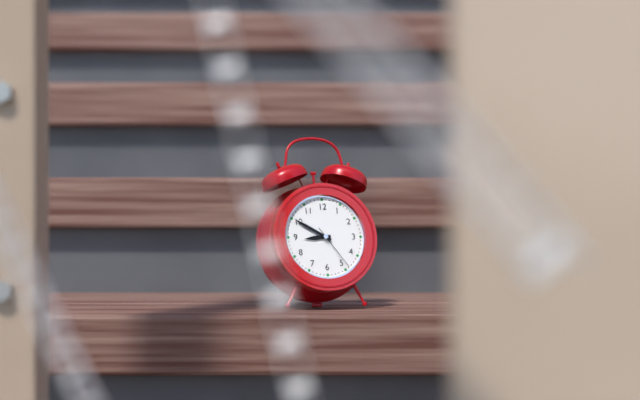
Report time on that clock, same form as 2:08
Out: 8:50
